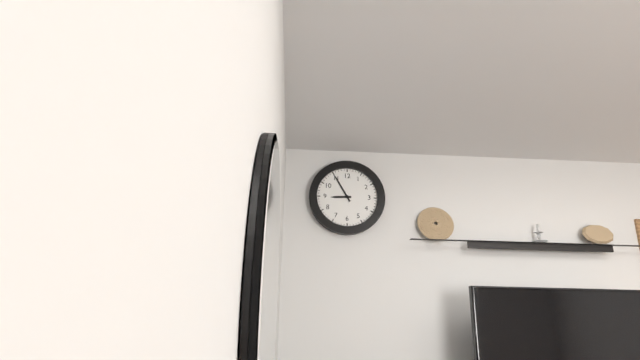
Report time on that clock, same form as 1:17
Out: 8:55
